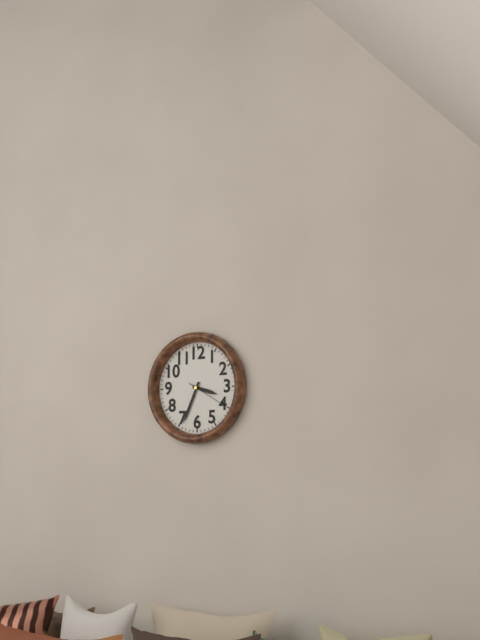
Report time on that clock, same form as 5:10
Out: 3:34
